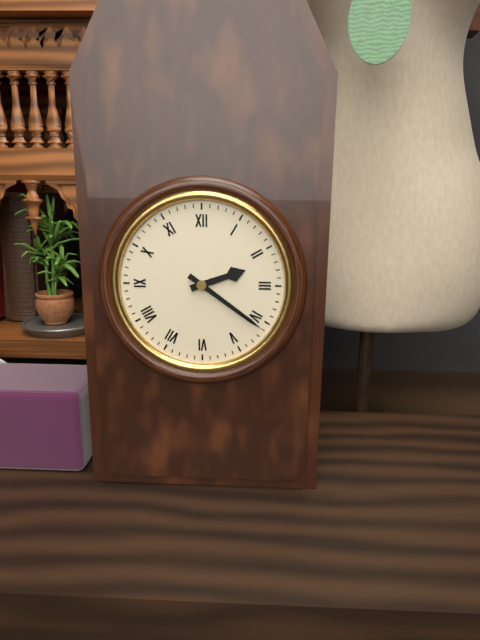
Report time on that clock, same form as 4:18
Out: 2:21
